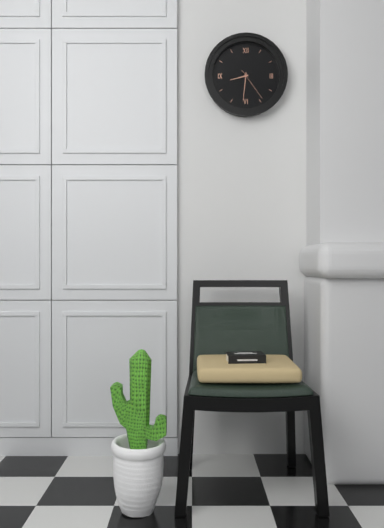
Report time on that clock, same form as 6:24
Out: 8:31
